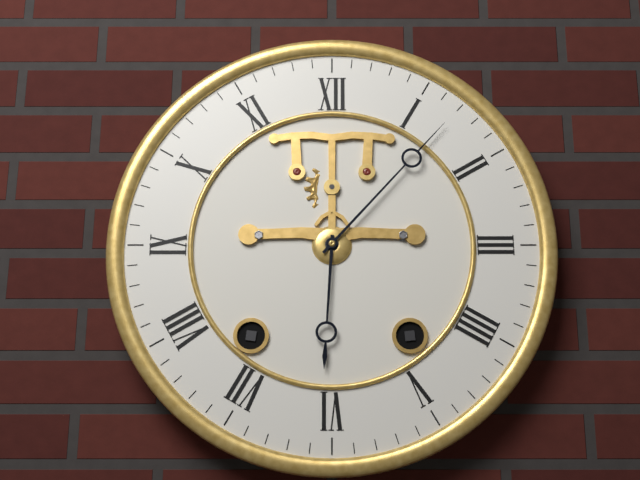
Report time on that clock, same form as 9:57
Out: 6:07
